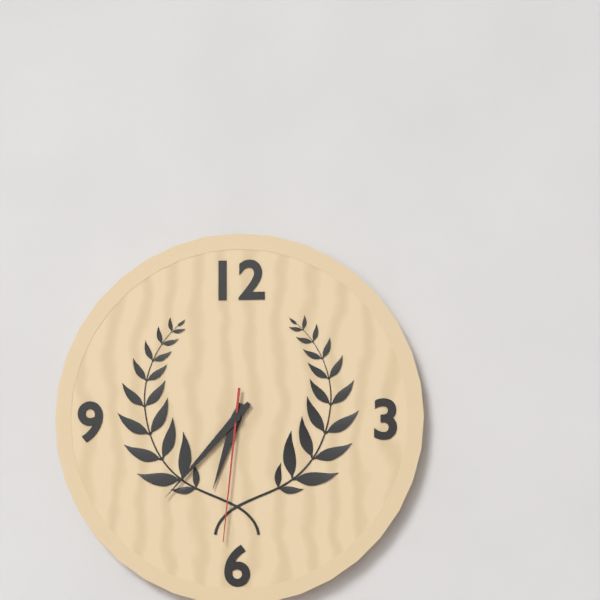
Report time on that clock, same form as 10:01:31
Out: 6:37:31
